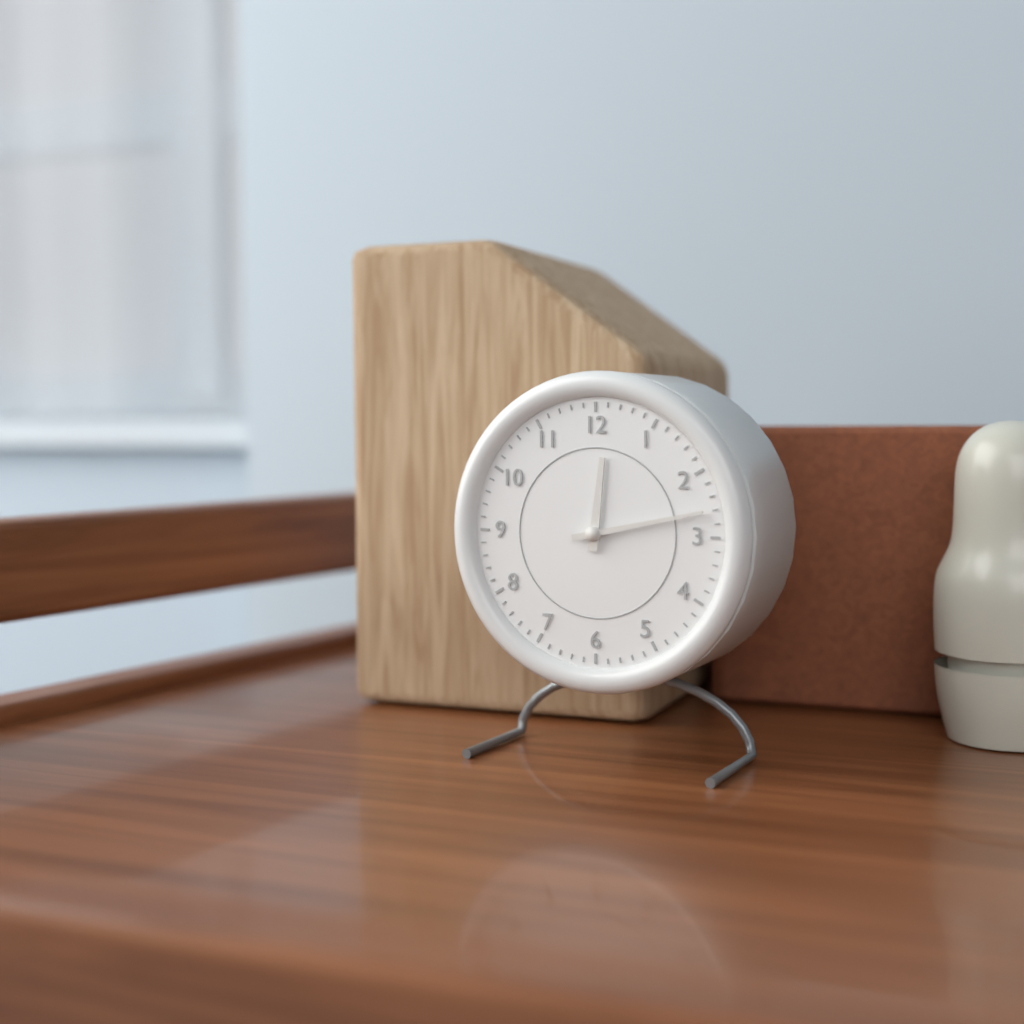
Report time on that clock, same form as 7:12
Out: 12:13
